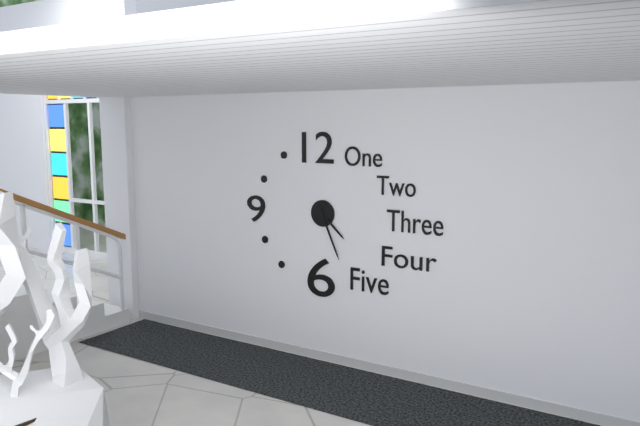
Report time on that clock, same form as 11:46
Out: 4:26
